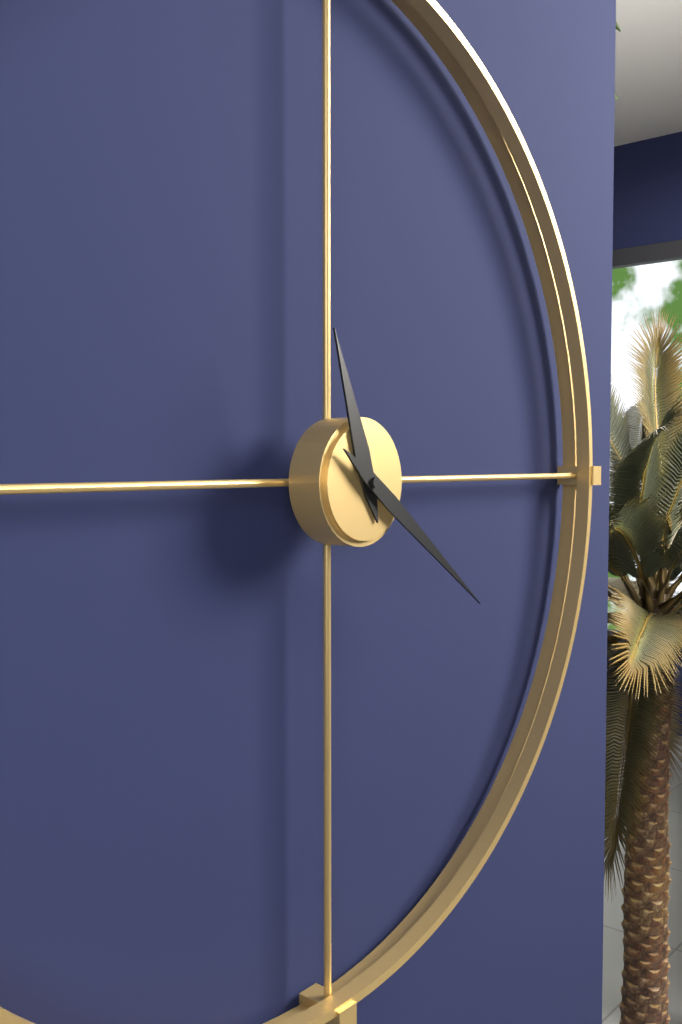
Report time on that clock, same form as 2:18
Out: 11:21
